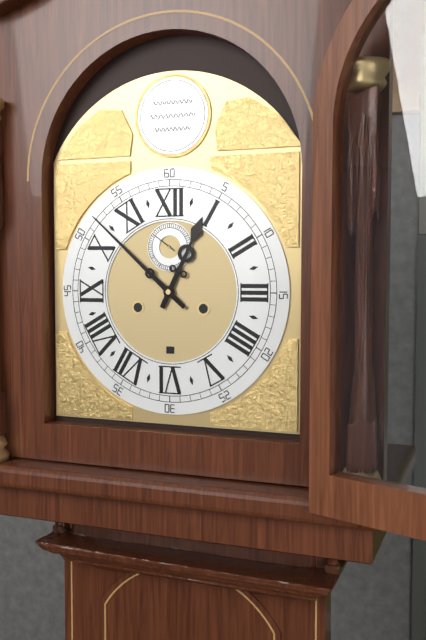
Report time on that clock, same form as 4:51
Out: 12:52
